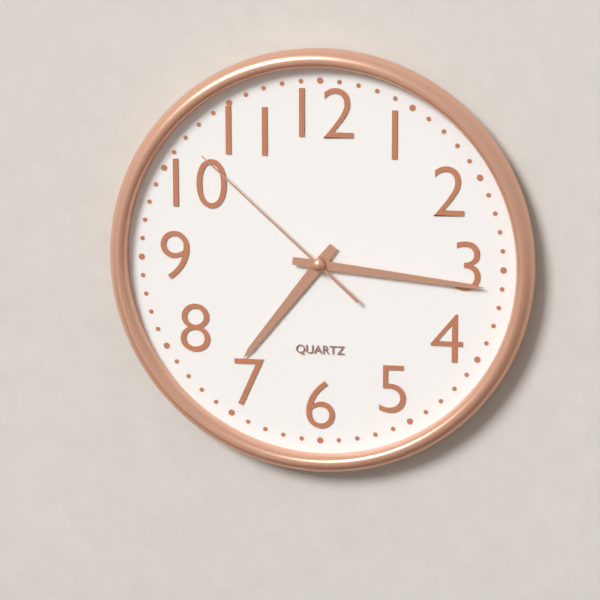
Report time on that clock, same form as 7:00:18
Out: 7:16:52
